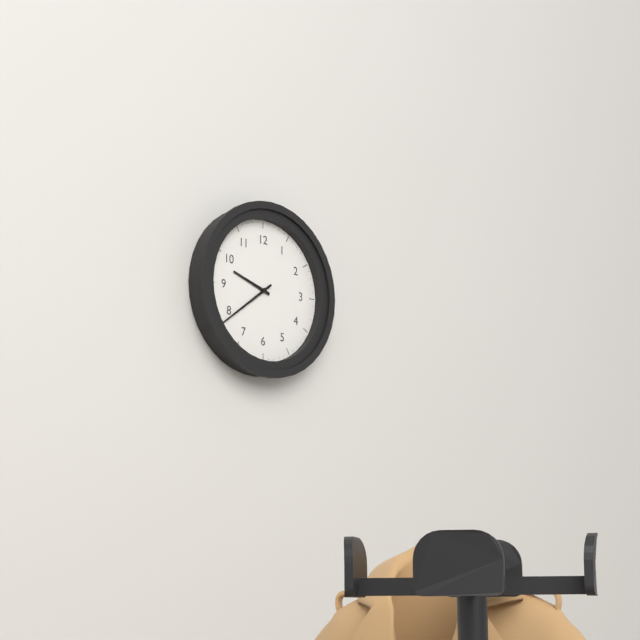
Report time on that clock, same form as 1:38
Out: 9:39
